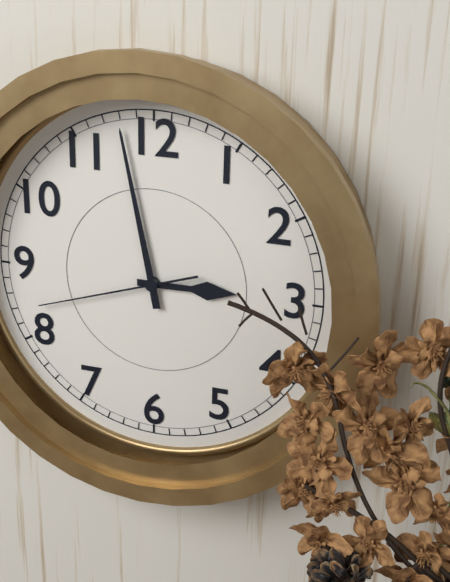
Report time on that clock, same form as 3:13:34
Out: 2:58:42
